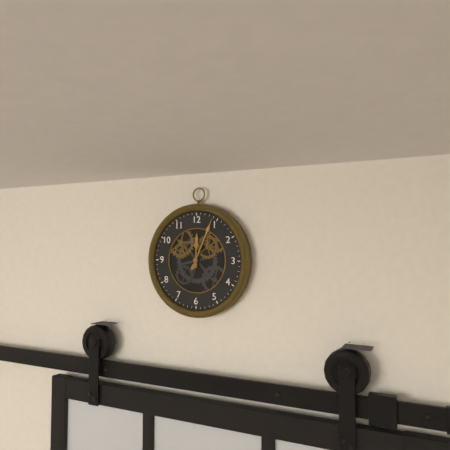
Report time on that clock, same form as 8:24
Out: 12:04
